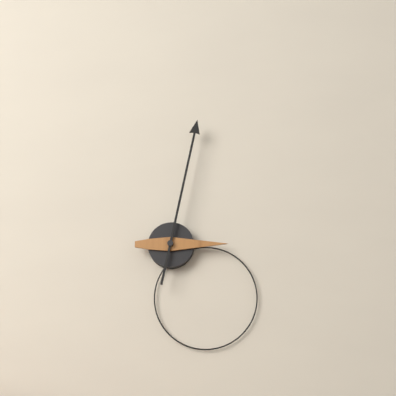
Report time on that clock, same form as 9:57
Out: 3:02
